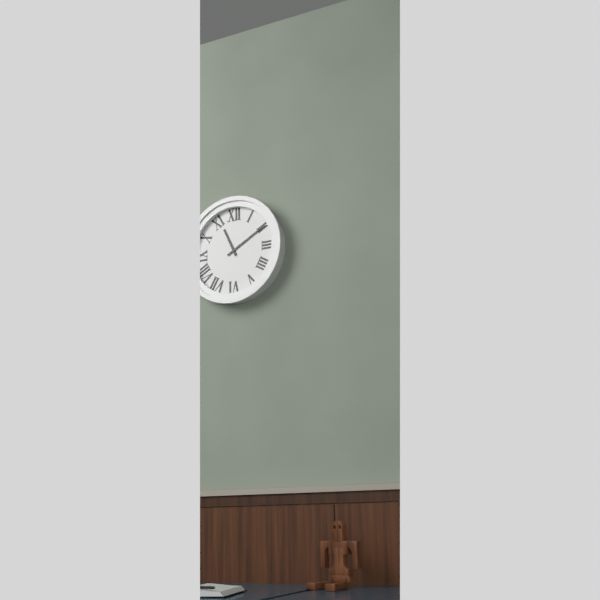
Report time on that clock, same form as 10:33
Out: 11:10
